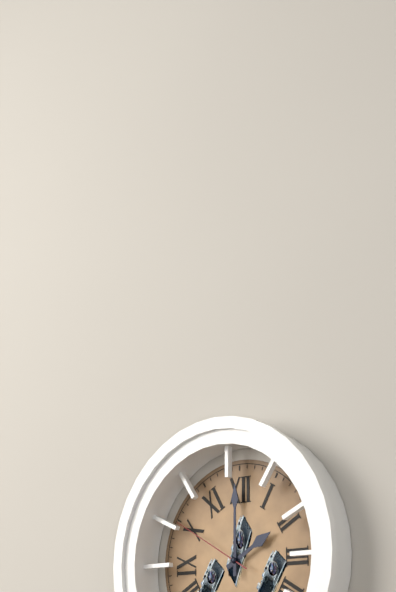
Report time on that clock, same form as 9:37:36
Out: 2:00:50
